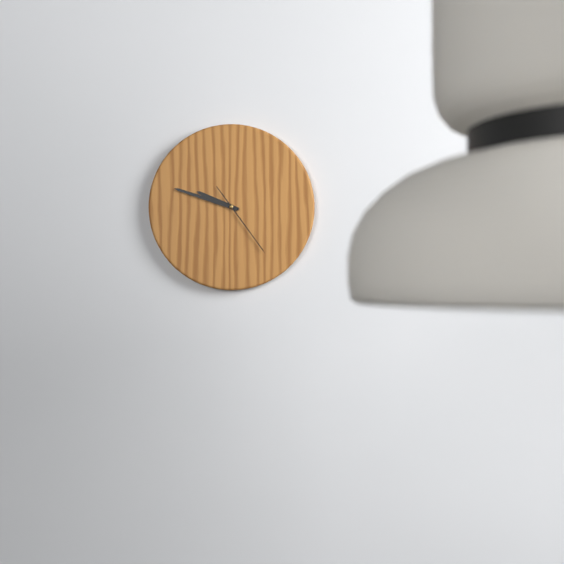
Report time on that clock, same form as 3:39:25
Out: 9:48:24
